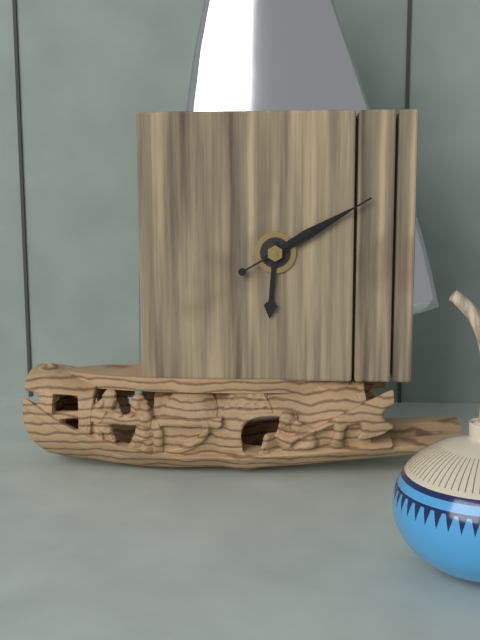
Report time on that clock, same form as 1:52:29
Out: 6:10:10
